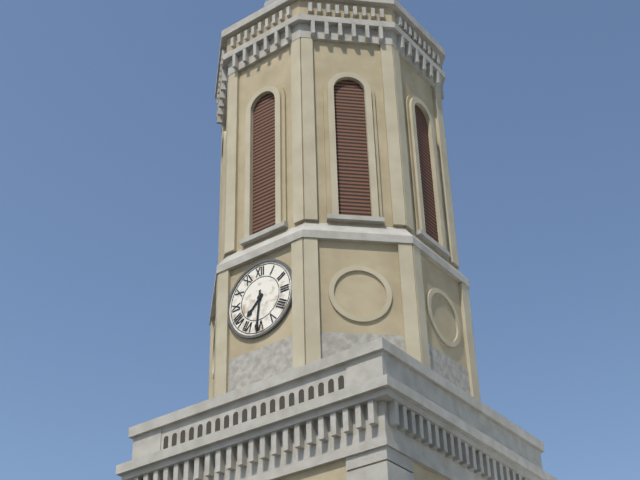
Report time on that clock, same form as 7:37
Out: 7:31
